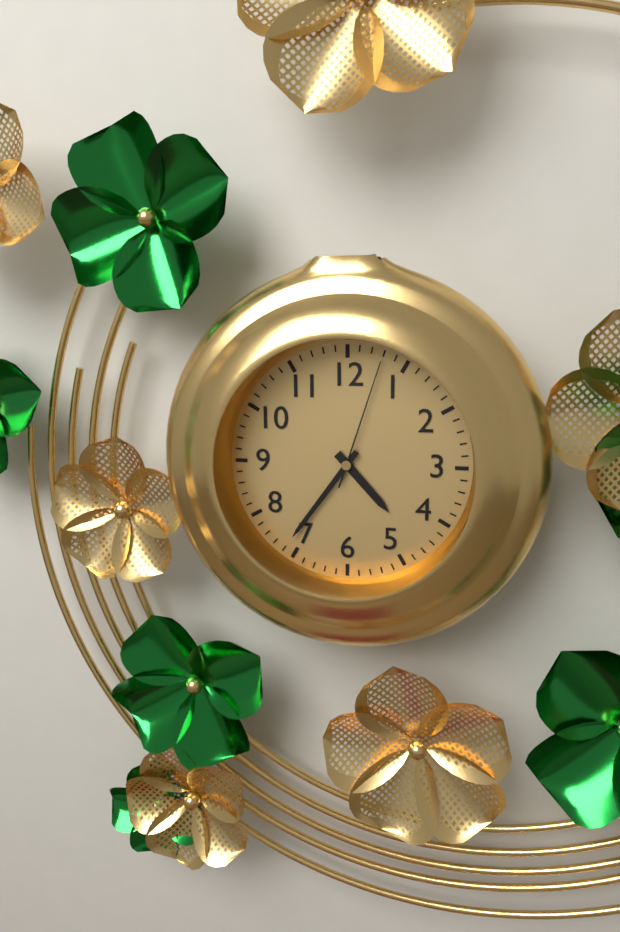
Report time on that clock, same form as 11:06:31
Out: 4:36:03
